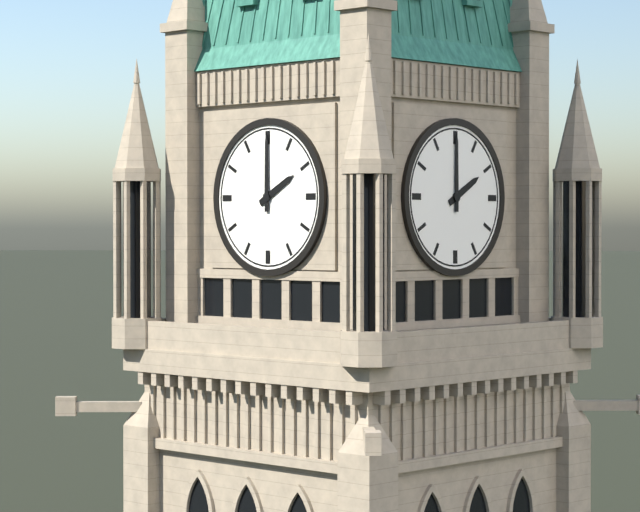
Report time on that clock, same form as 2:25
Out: 2:00
